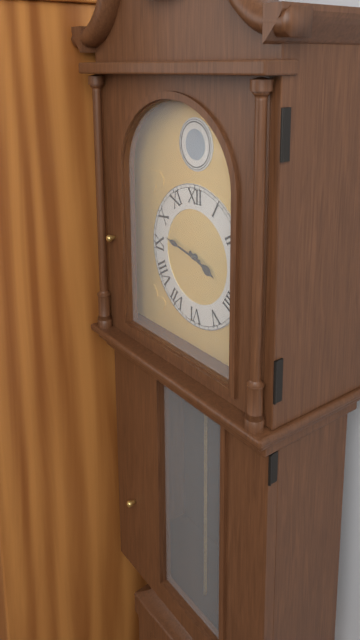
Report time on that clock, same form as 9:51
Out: 3:47
